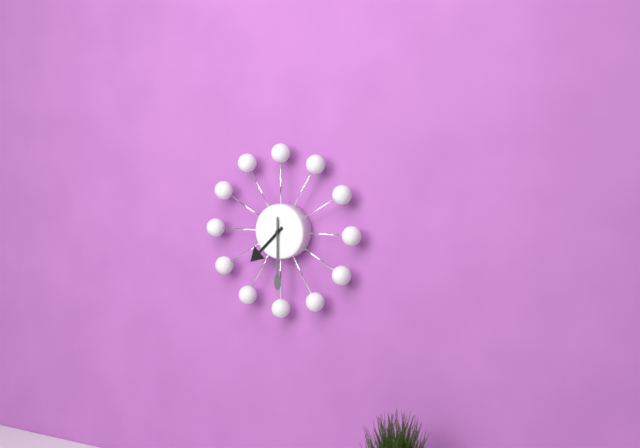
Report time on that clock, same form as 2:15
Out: 7:30
